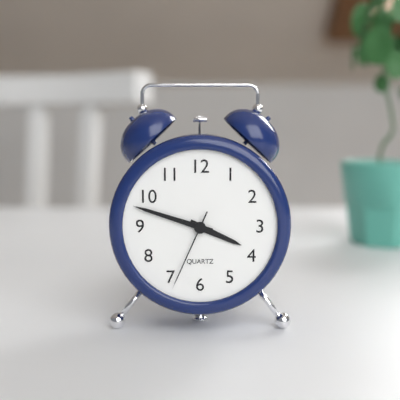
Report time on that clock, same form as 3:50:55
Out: 3:48:34
